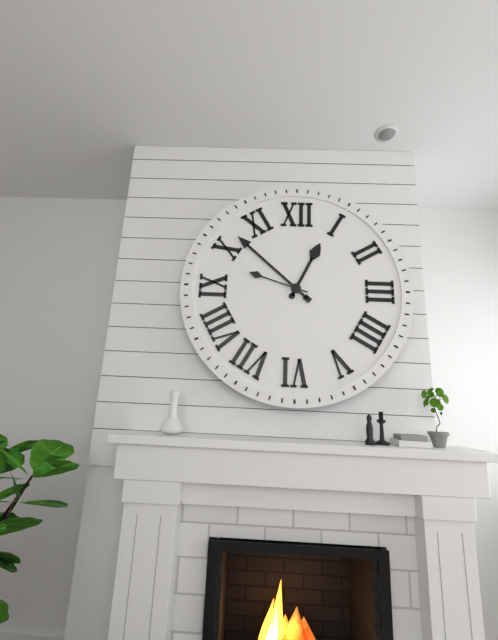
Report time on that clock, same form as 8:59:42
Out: 12:52:48
